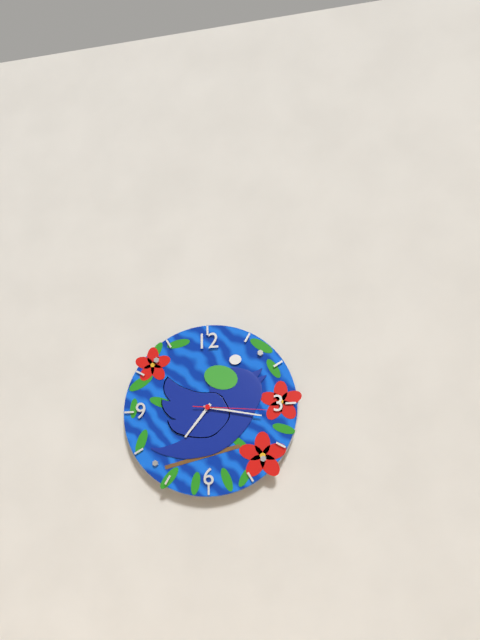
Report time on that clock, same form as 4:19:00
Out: 7:17:16
